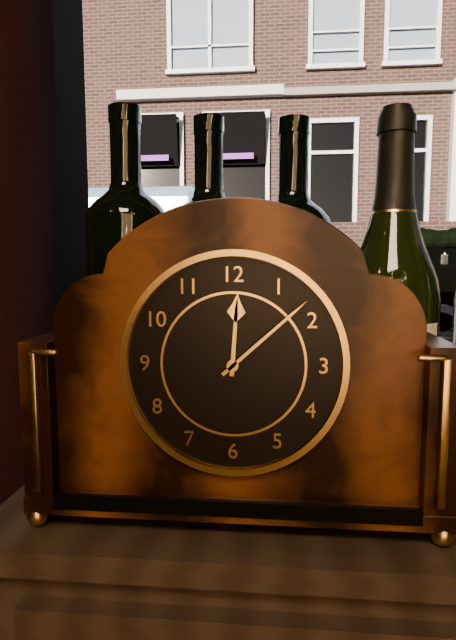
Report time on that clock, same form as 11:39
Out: 12:08
